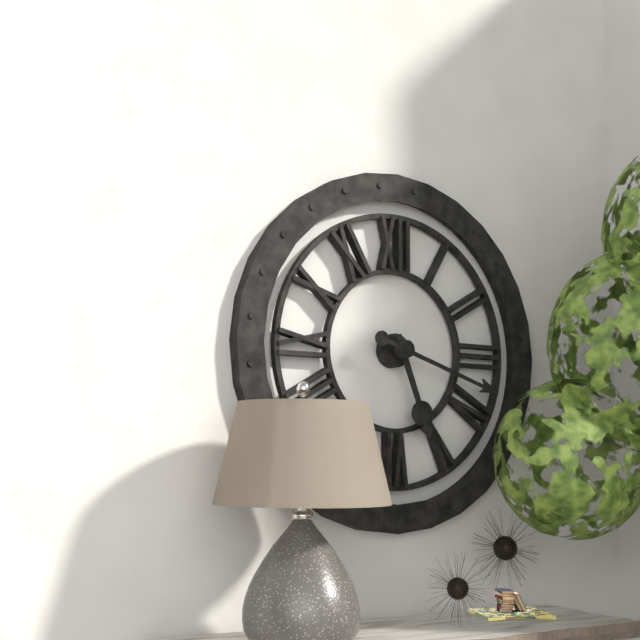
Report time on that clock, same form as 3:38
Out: 5:18
